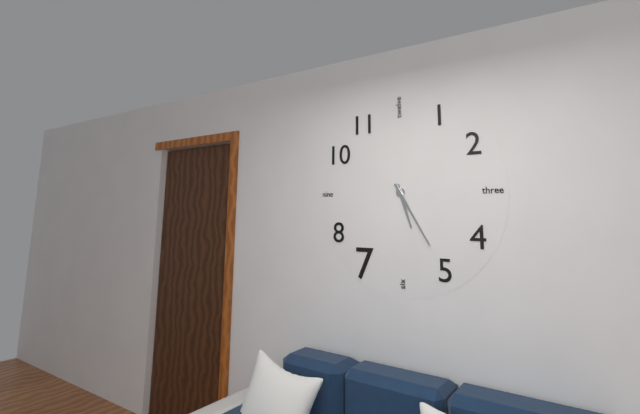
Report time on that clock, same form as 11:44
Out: 5:25
